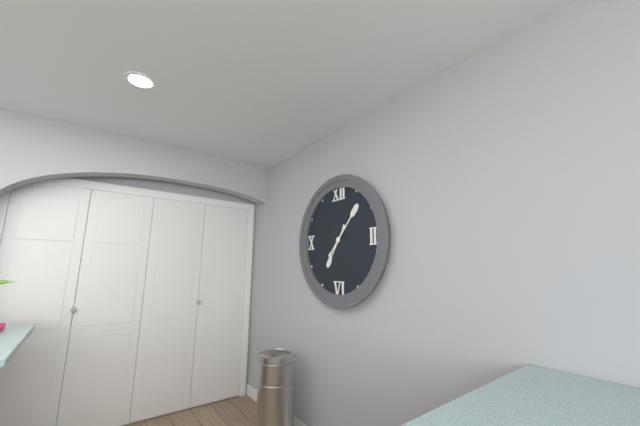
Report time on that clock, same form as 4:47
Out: 7:07
